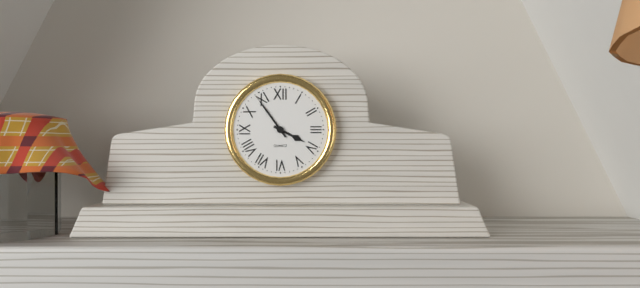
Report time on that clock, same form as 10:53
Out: 3:54
